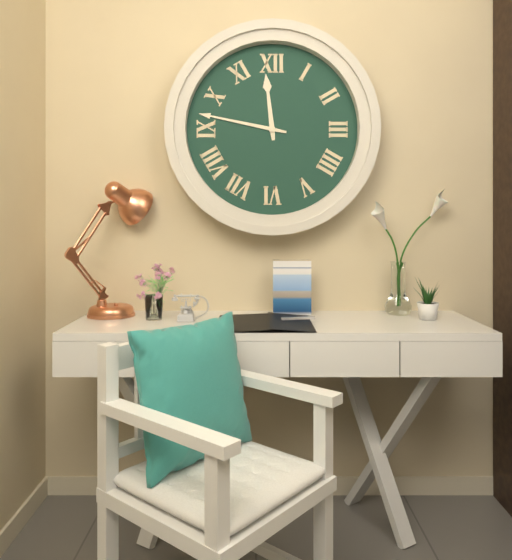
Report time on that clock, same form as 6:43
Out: 11:47
